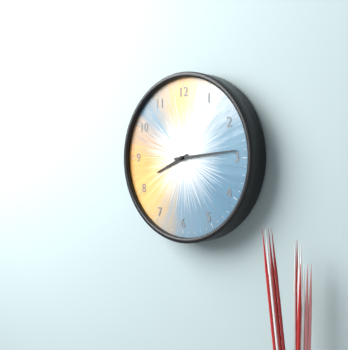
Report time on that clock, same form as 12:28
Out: 8:14
